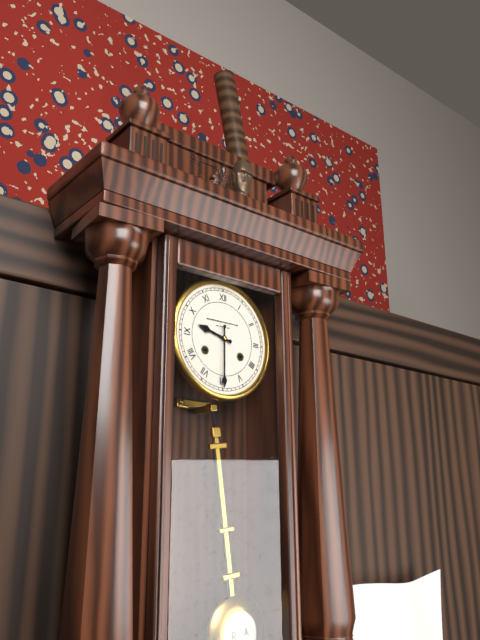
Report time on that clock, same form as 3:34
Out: 9:30
